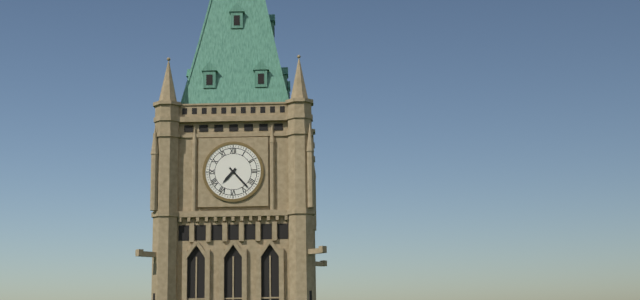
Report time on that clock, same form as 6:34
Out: 7:23
